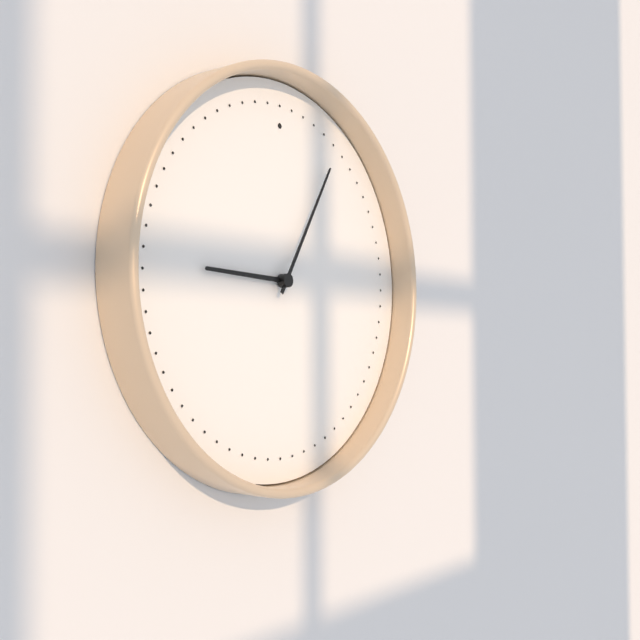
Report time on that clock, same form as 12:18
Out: 9:05
